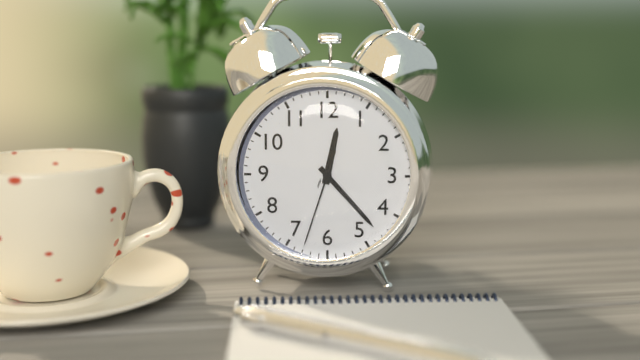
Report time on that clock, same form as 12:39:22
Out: 12:23:33
